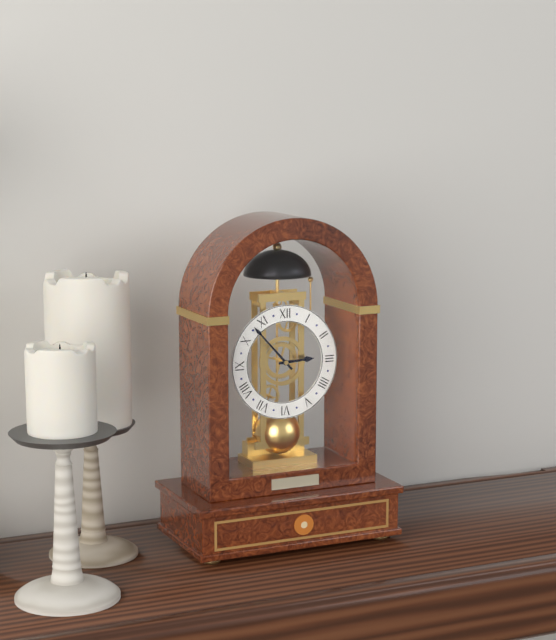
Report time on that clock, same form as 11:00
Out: 2:53
